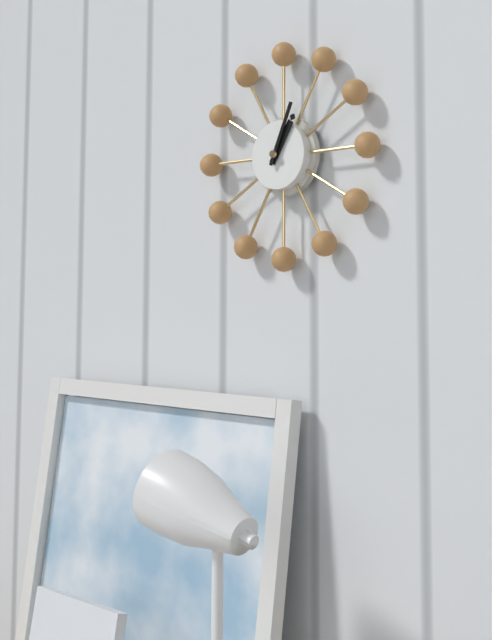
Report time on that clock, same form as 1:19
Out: 1:04
